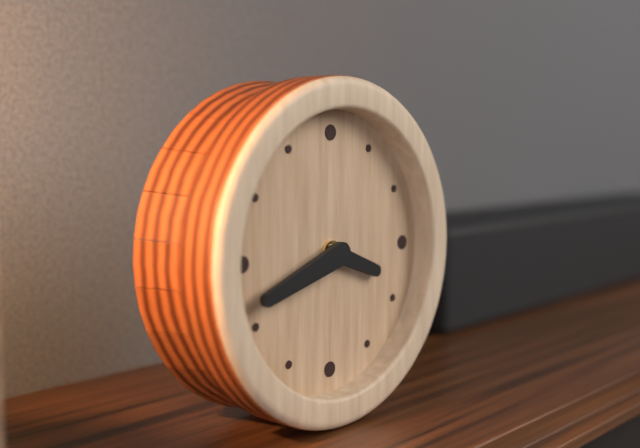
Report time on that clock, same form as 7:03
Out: 3:42
